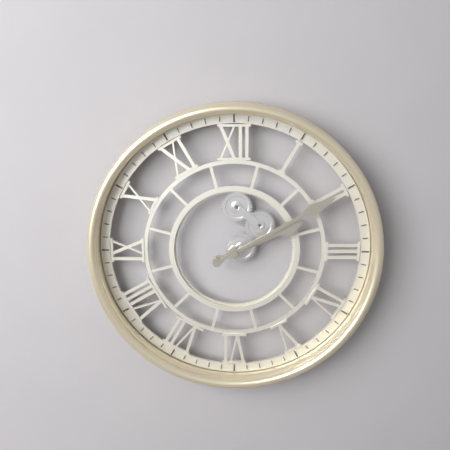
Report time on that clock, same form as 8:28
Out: 2:10
